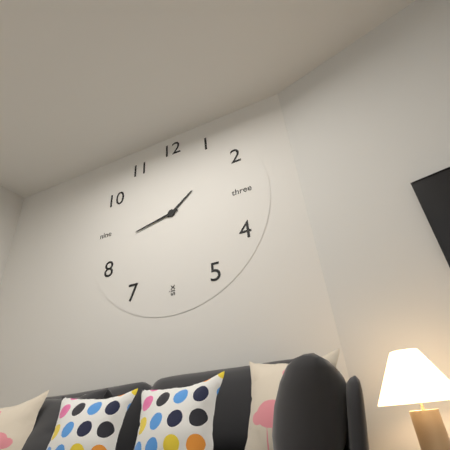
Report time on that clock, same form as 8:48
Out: 1:43
